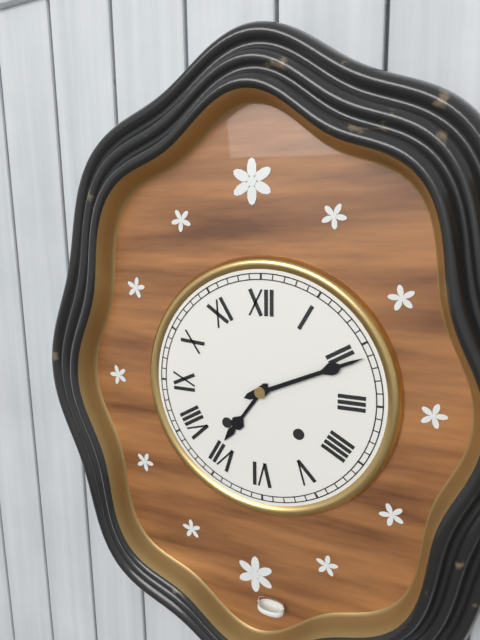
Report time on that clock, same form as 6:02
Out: 7:11
